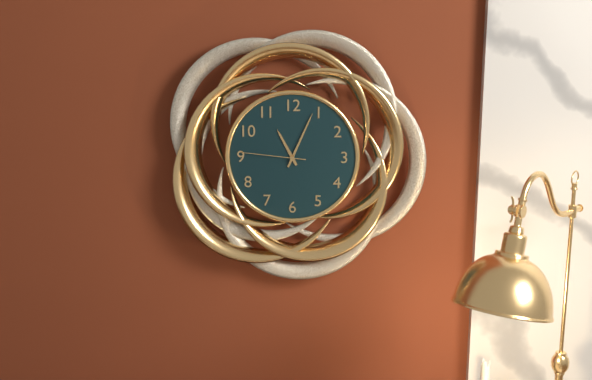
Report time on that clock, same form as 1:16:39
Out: 11:04:46
